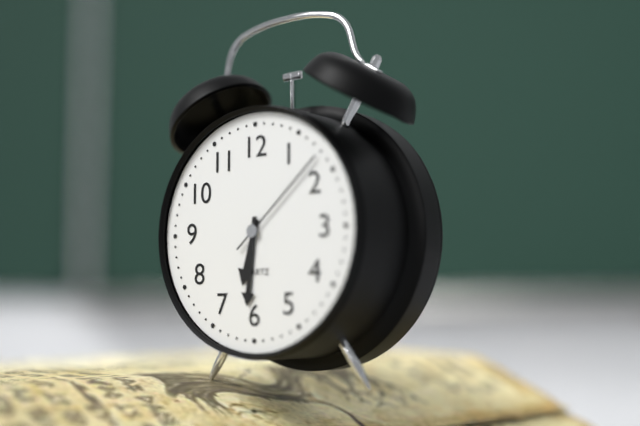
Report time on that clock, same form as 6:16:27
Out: 6:31:08
